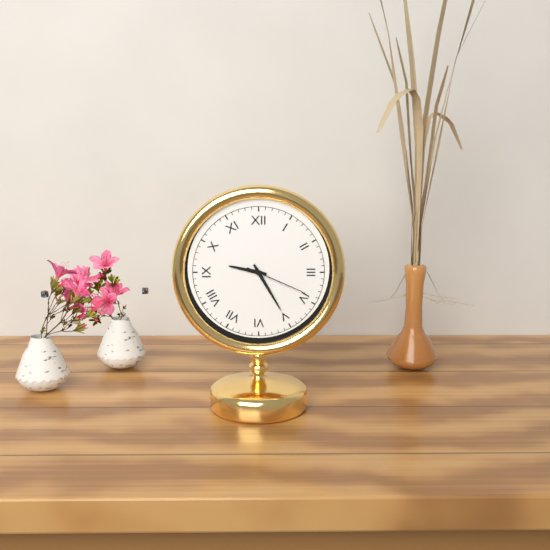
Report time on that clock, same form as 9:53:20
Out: 9:25:19
